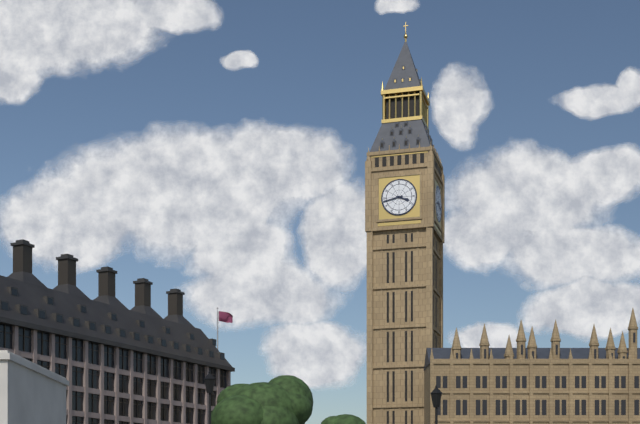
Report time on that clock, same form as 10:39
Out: 3:43
